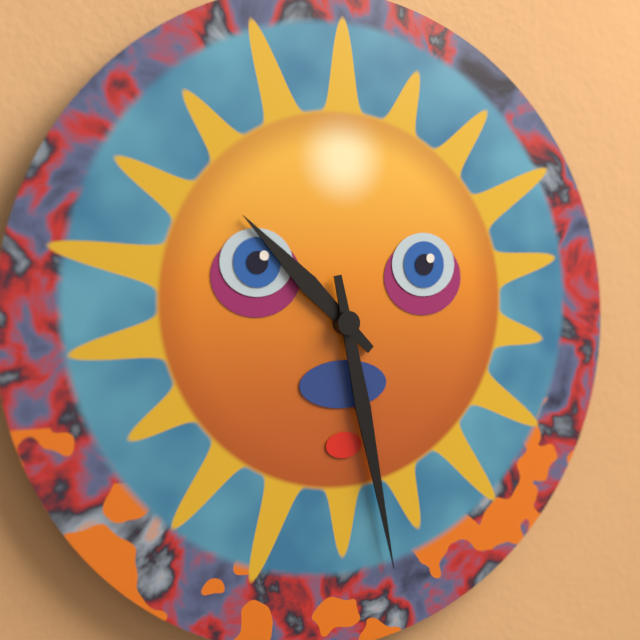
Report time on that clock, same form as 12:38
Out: 10:28
